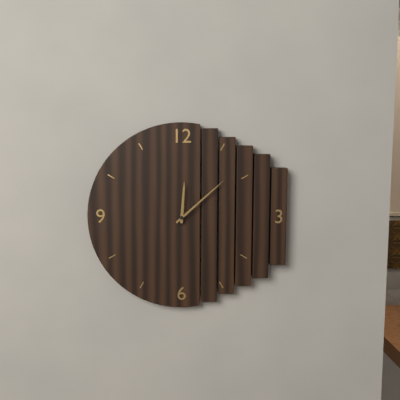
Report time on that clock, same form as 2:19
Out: 12:08
